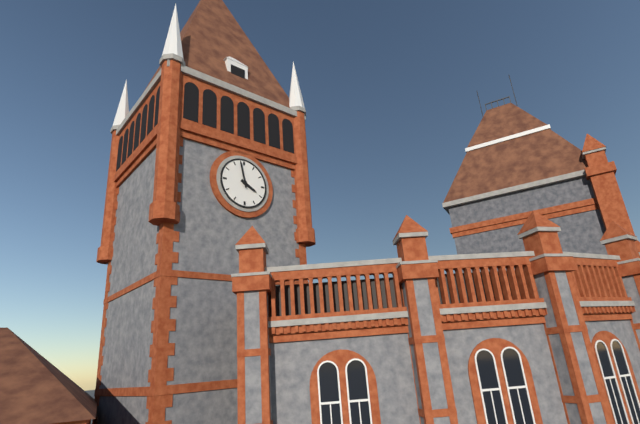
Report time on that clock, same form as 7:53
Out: 3:58
